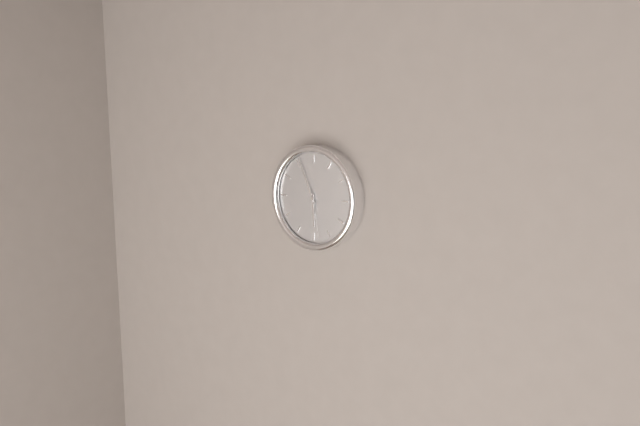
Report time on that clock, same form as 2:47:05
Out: 5:56:28
